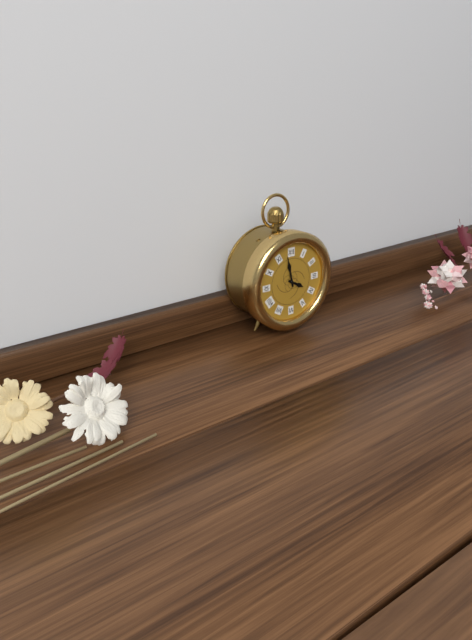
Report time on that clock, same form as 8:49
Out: 3:58
